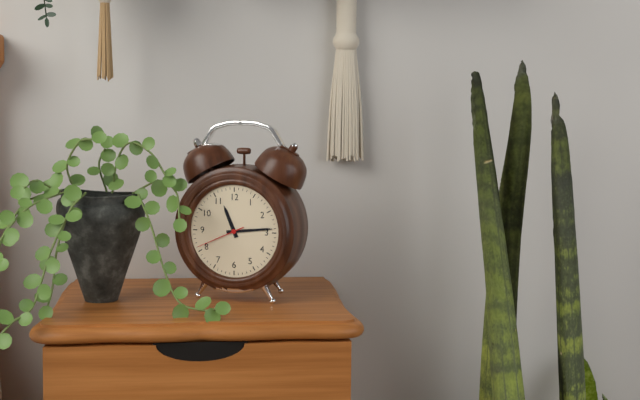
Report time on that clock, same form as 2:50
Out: 11:14
